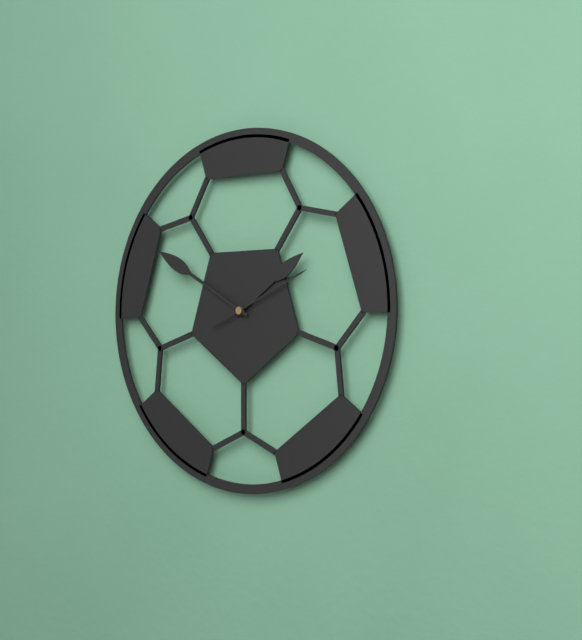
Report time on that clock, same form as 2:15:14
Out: 1:50:11
